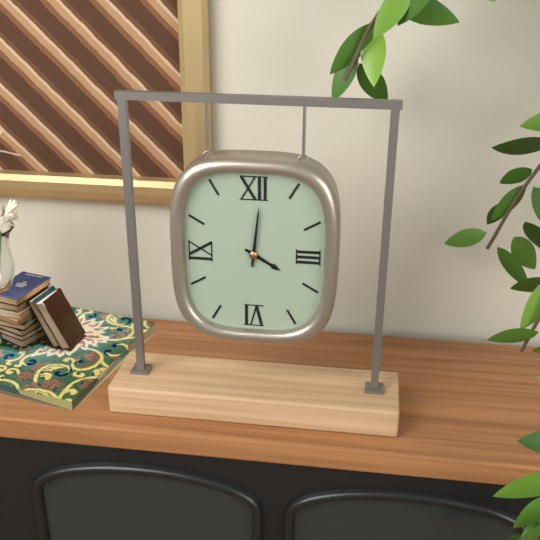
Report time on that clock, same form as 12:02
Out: 4:01
